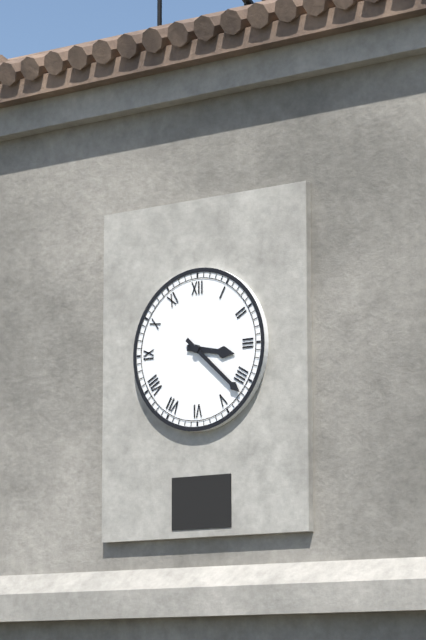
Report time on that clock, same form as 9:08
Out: 3:22
